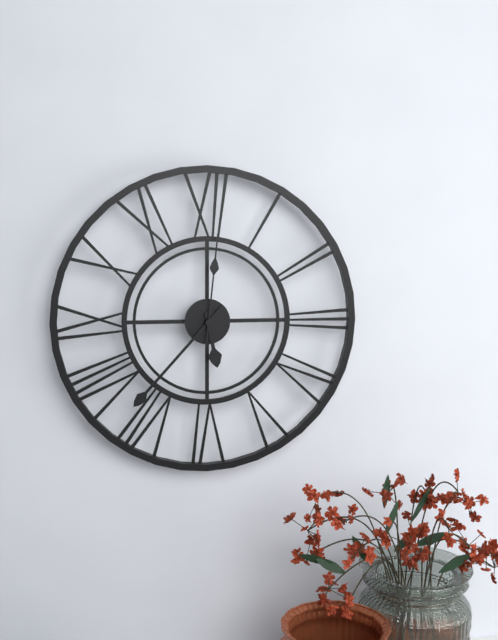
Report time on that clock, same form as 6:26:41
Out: 5:37:01
